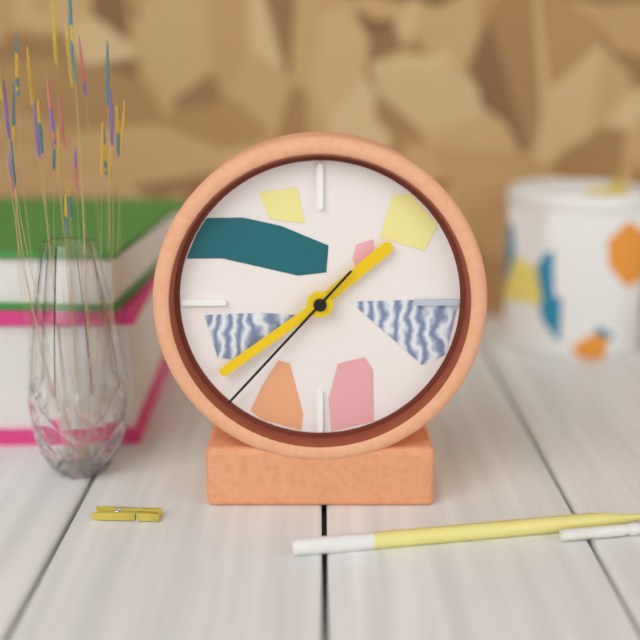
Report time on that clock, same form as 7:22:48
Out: 1:39:37
